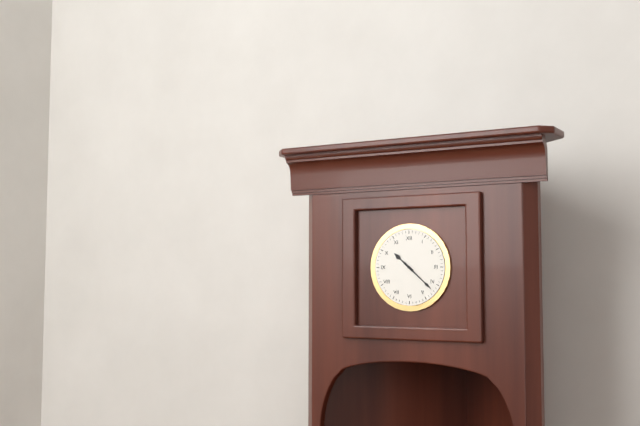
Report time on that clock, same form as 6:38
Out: 10:22
